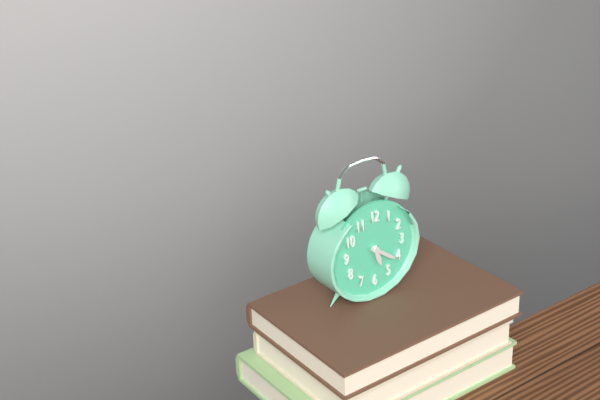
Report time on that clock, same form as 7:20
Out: 5:21
